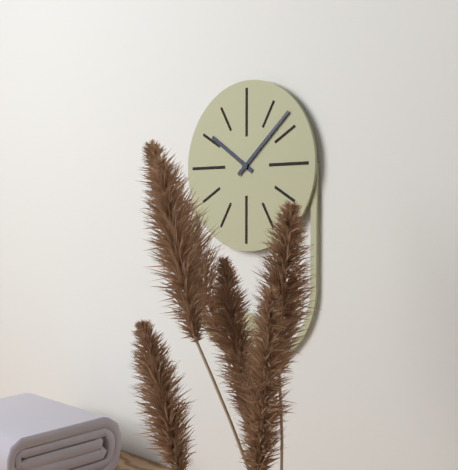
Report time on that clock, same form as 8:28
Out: 10:08
